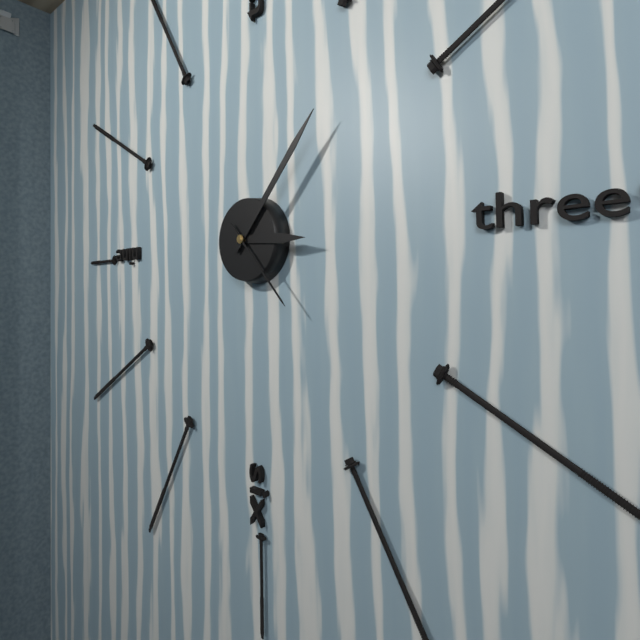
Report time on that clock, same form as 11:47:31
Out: 3:07:23
